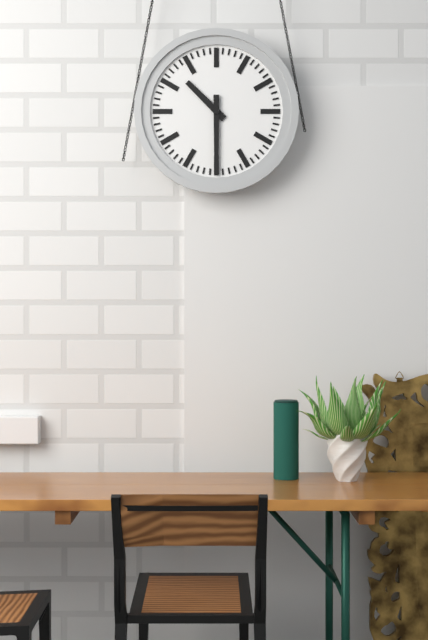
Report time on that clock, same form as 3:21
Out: 10:30
